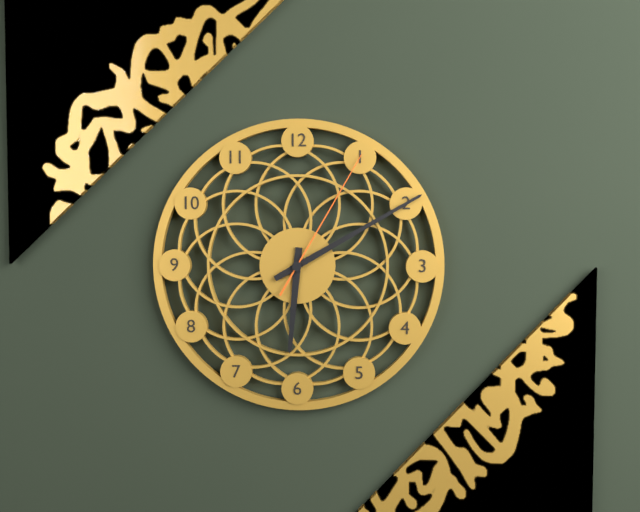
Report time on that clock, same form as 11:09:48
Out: 6:10:05
